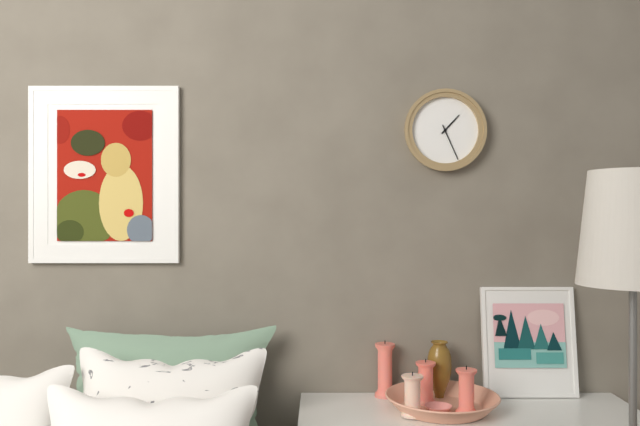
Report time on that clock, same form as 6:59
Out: 1:26
